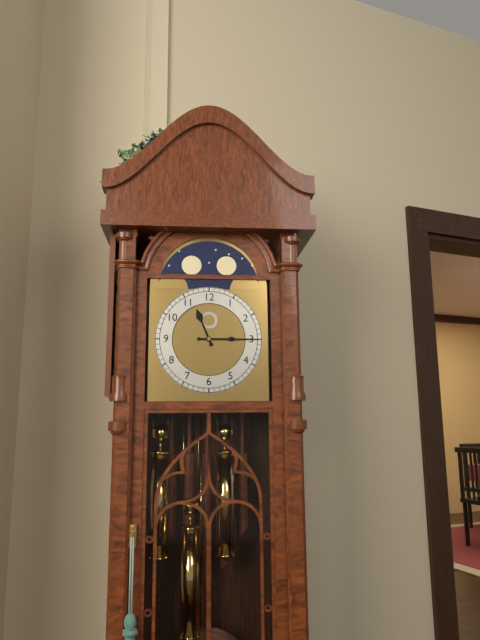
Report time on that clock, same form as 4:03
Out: 11:15
